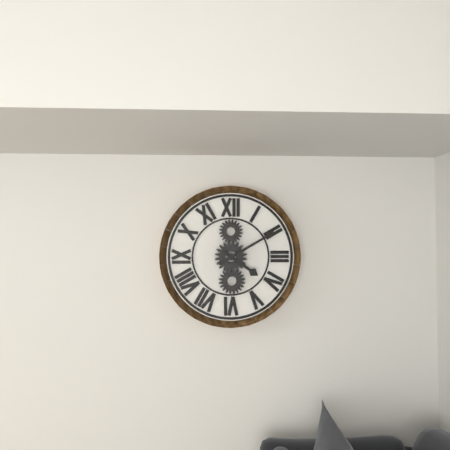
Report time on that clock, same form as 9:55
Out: 4:10
